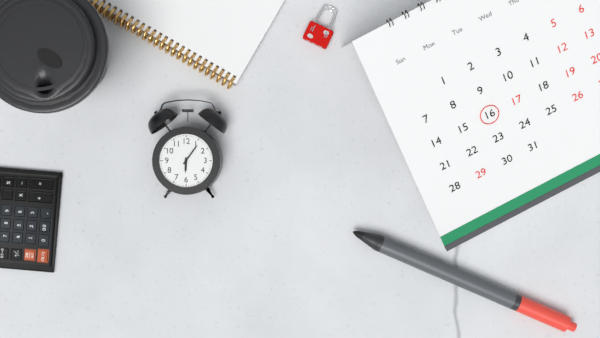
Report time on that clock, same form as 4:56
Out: 6:06
